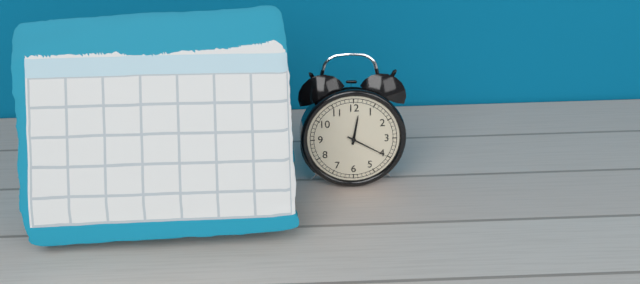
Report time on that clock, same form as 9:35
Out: 12:20
